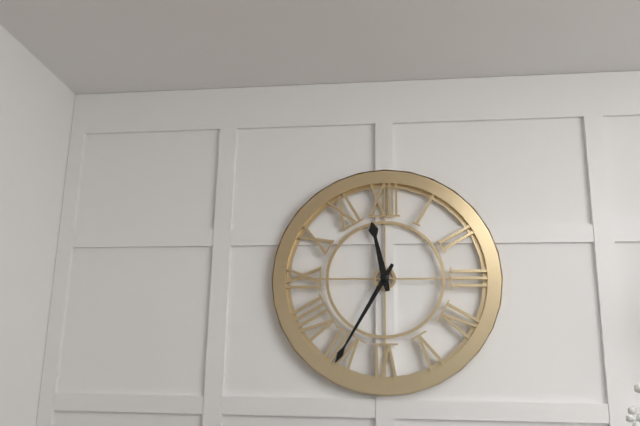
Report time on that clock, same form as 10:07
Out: 11:35
